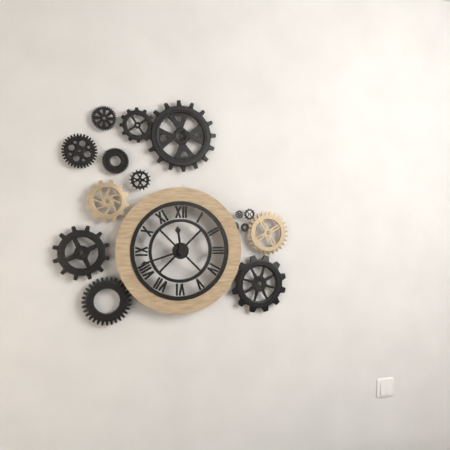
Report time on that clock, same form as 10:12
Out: 11:42
